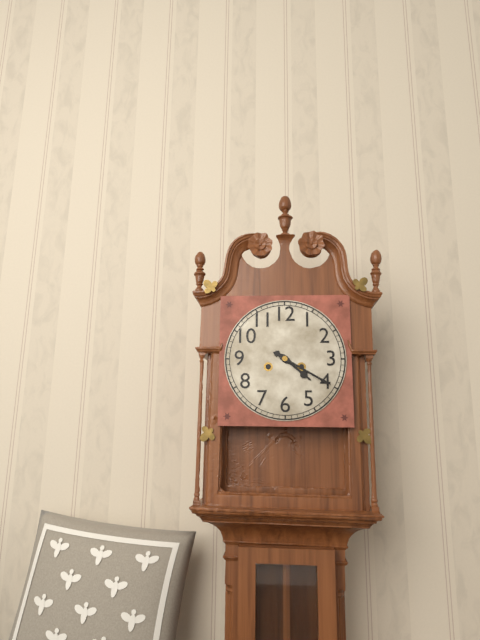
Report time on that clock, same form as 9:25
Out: 4:20
